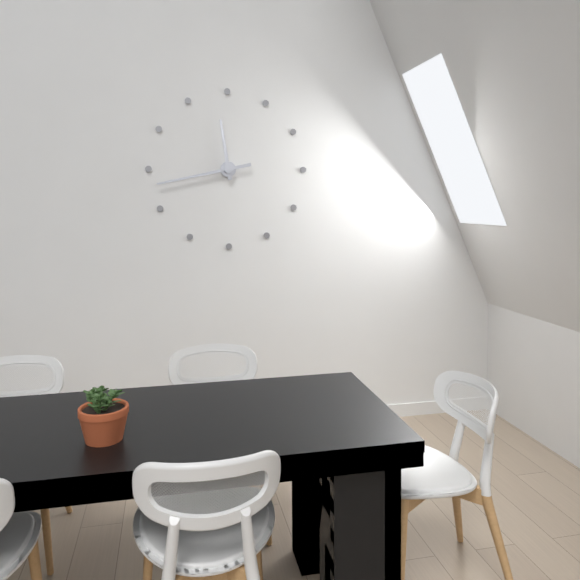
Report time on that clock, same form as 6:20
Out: 11:43
